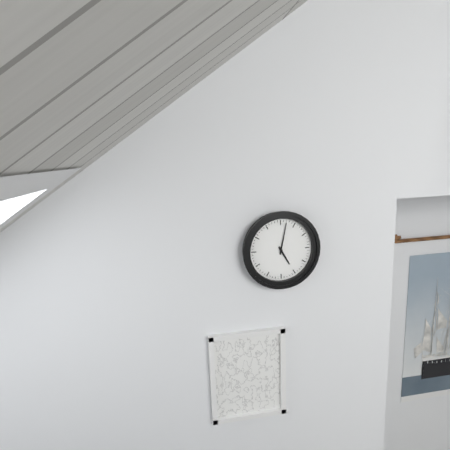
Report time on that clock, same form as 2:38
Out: 5:02
